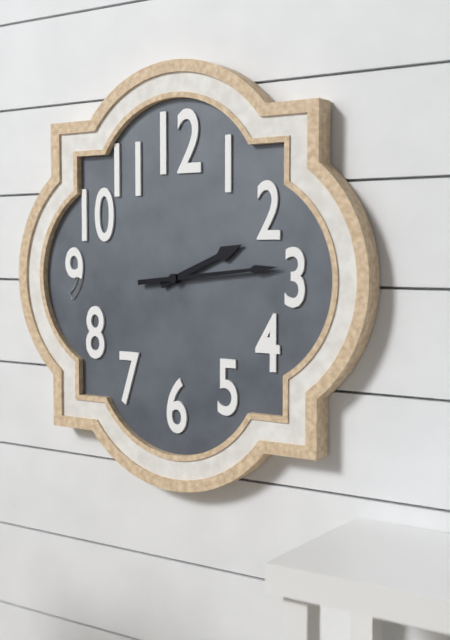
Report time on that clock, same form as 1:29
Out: 2:14
